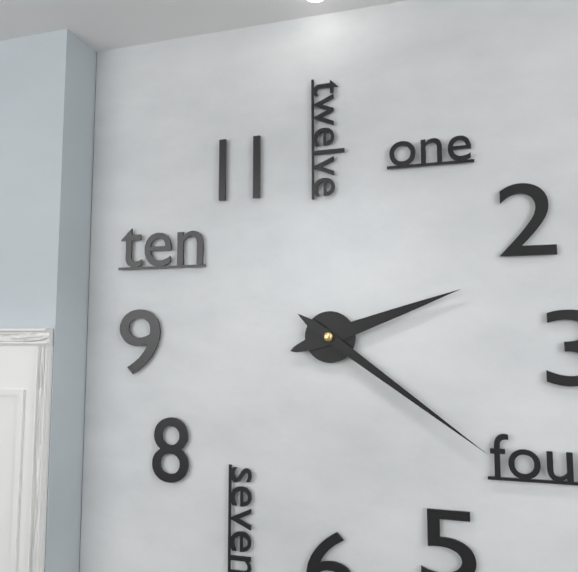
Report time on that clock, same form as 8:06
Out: 2:21
